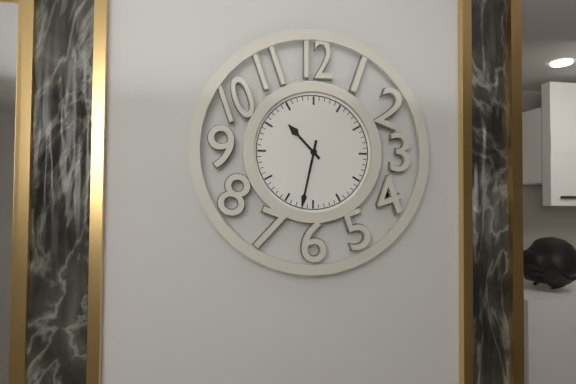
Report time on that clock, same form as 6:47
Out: 10:32
